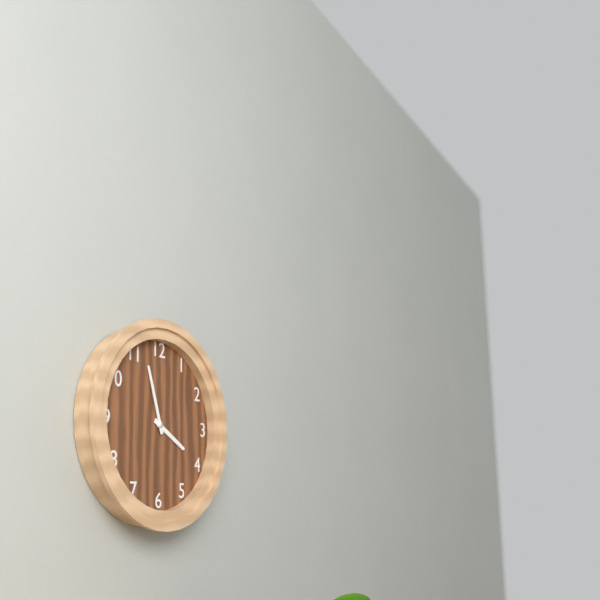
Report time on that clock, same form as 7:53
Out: 3:57
